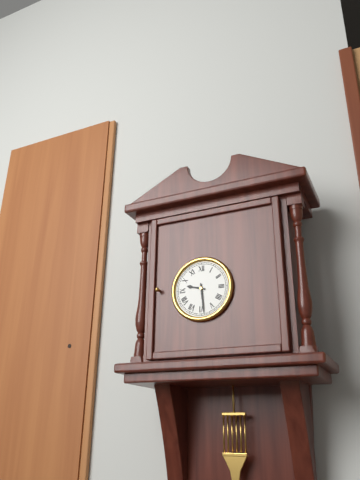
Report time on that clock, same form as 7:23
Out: 9:29
